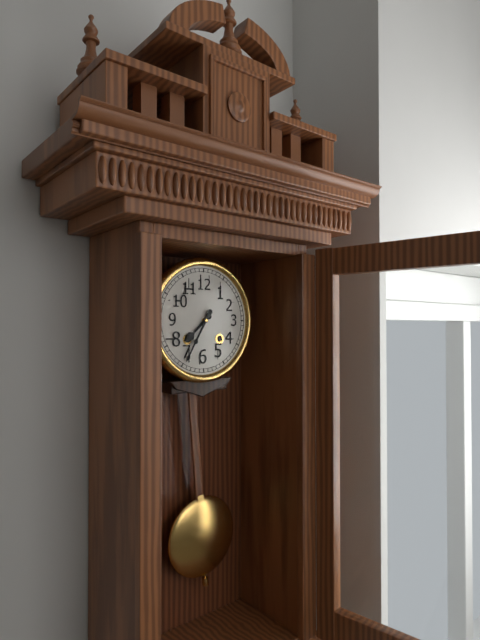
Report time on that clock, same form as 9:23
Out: 7:35
